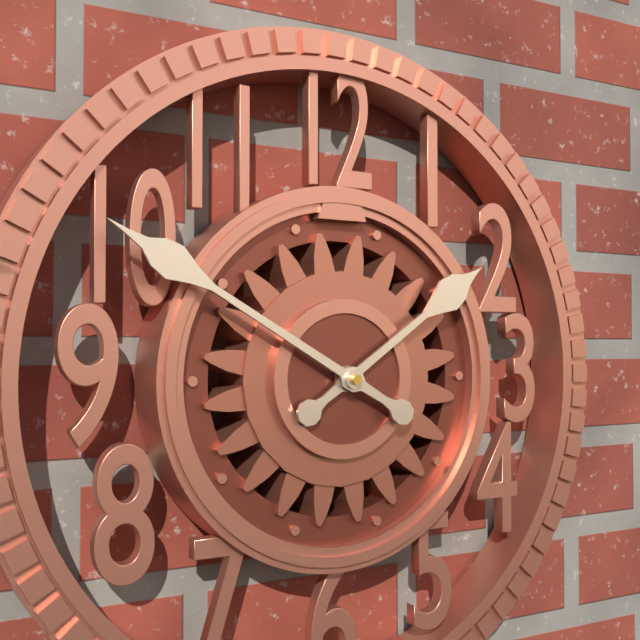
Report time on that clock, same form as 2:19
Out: 1:50
